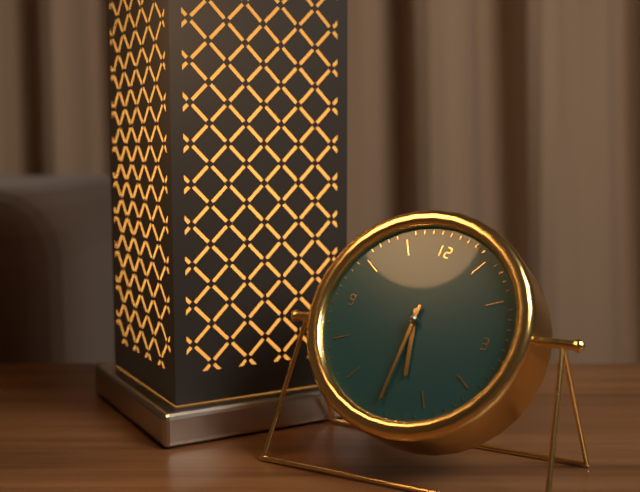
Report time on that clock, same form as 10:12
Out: 5:30
